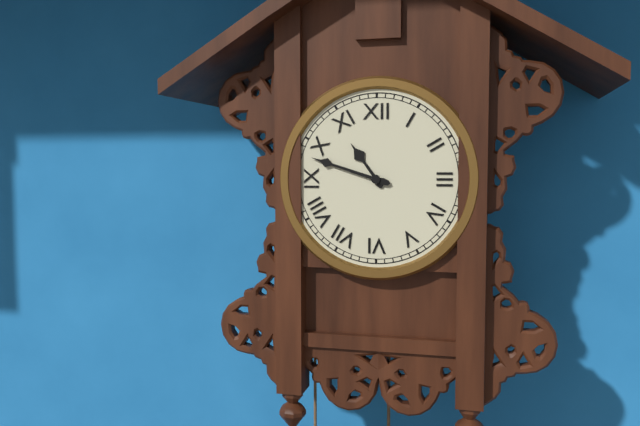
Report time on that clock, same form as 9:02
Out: 10:48
